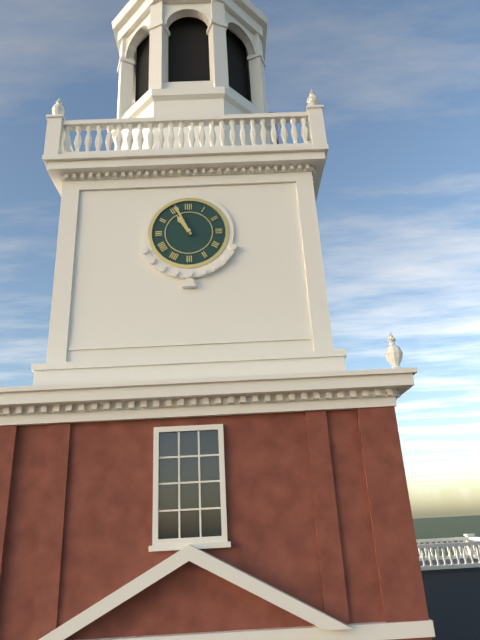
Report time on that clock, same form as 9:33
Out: 10:56
